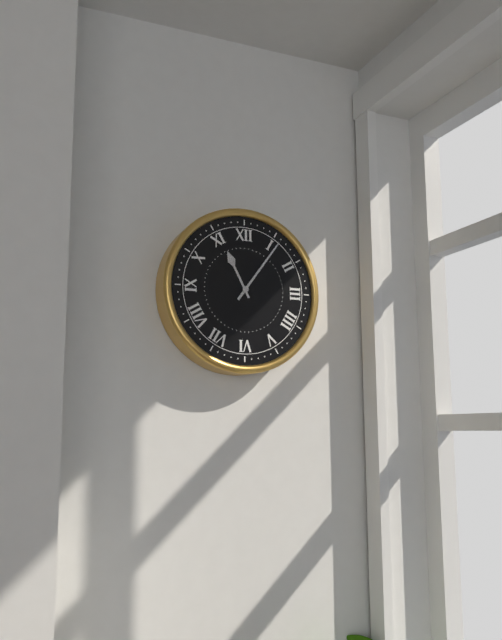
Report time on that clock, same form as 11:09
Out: 11:06
